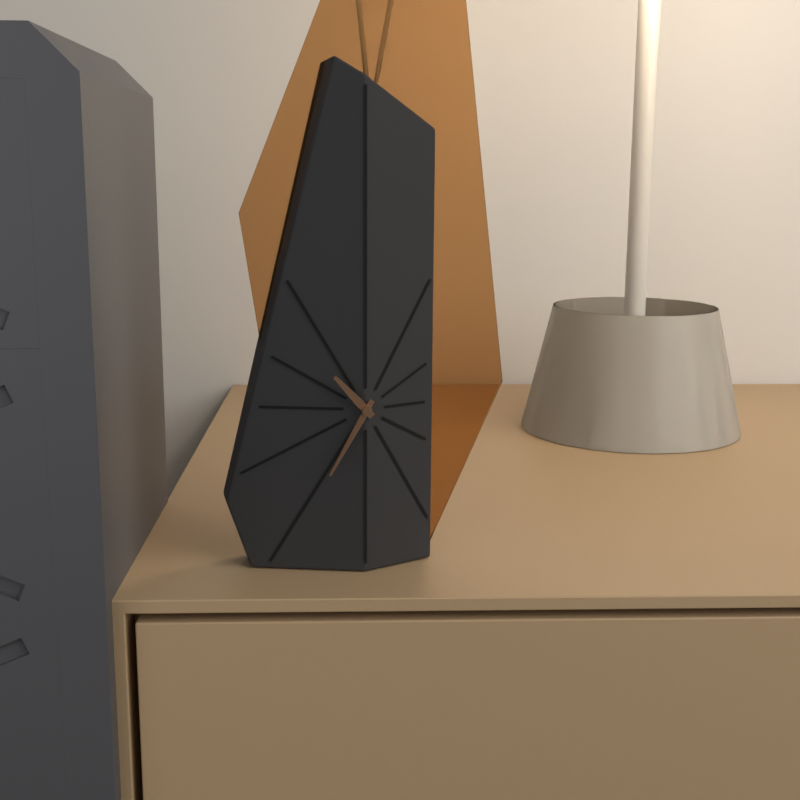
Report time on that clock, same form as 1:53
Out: 10:35
